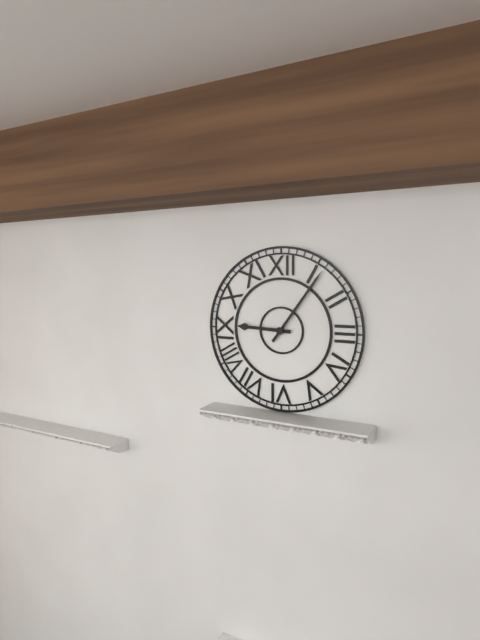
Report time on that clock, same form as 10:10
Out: 9:06
